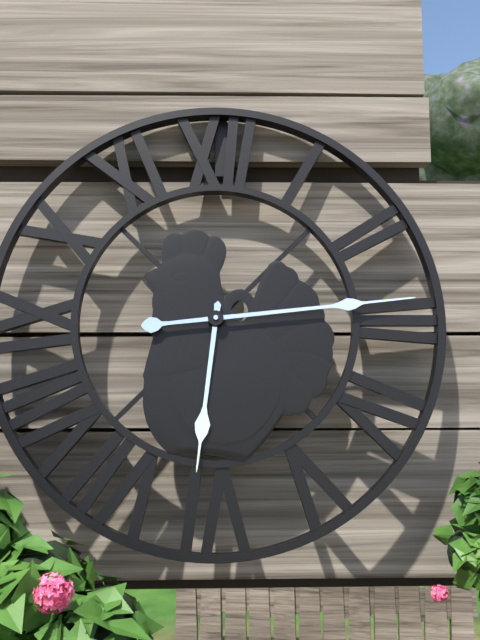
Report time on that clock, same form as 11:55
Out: 6:14
